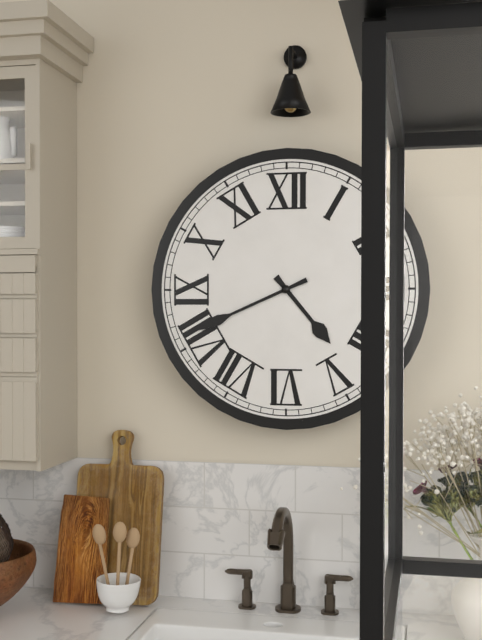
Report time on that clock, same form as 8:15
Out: 4:41
